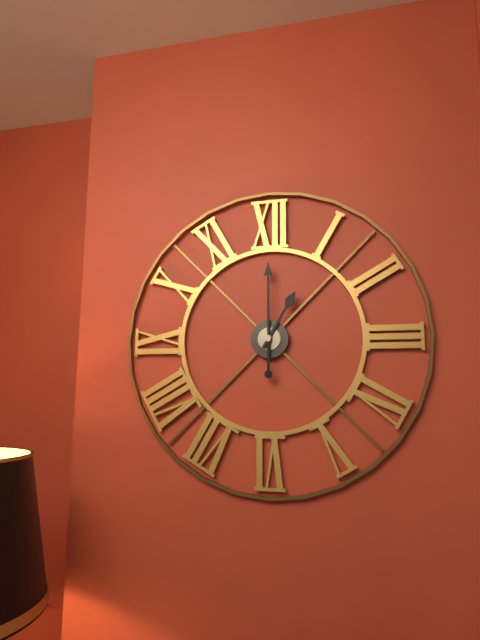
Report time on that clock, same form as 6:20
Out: 1:00
